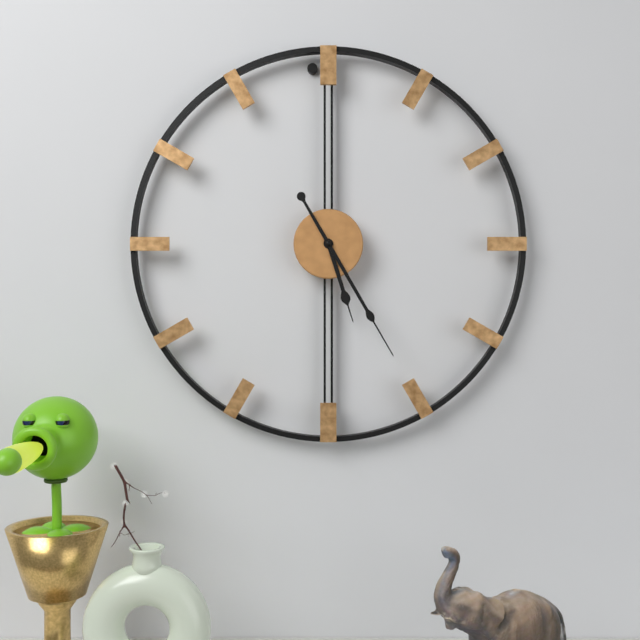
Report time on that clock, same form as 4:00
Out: 5:25
